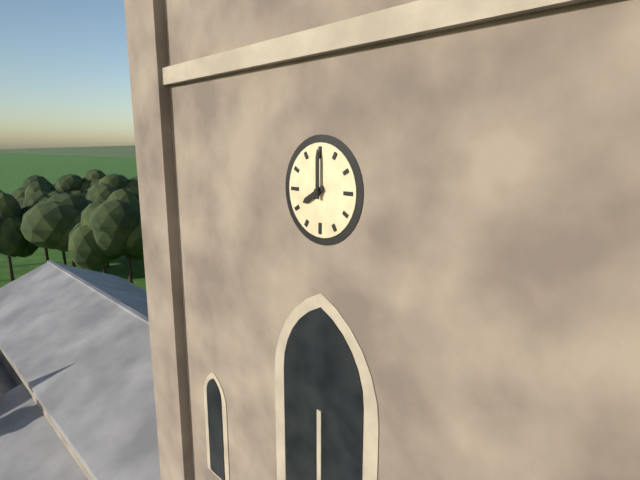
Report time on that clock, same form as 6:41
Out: 8:00
